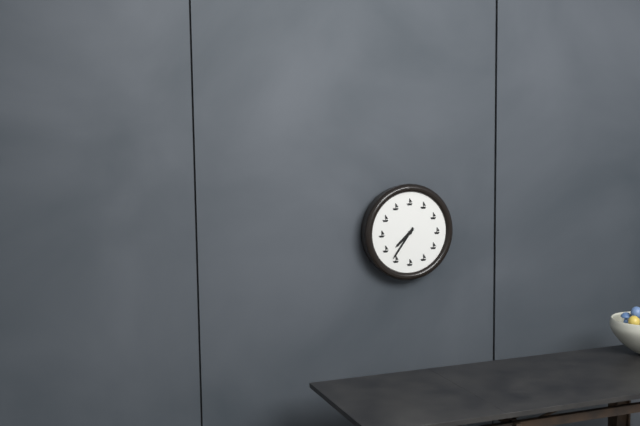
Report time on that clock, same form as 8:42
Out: 7:36
